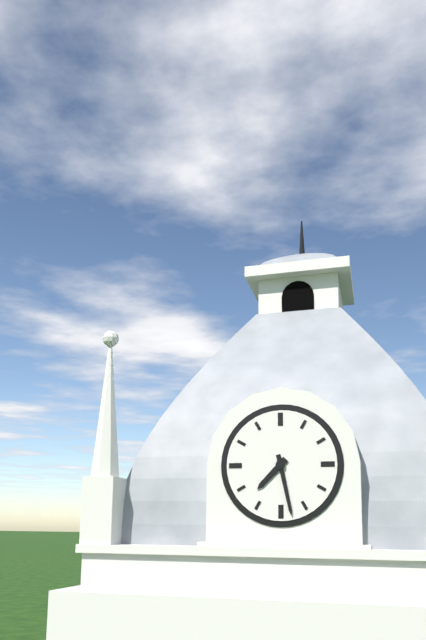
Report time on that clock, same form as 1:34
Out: 7:28
